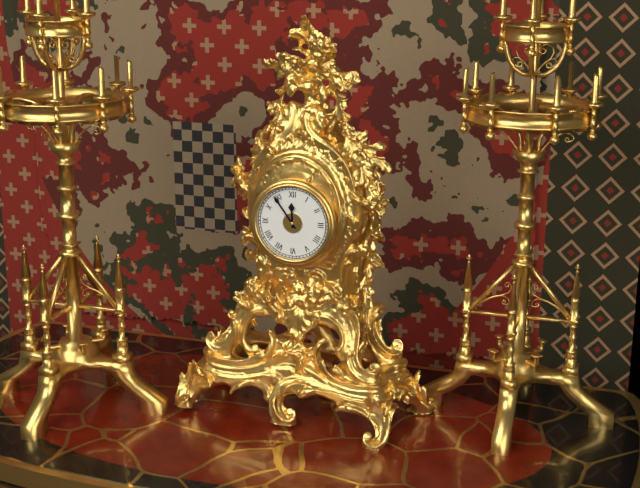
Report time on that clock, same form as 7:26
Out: 11:54
